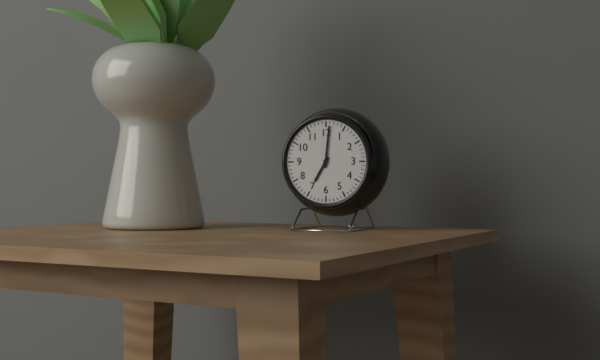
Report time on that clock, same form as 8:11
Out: 7:01
